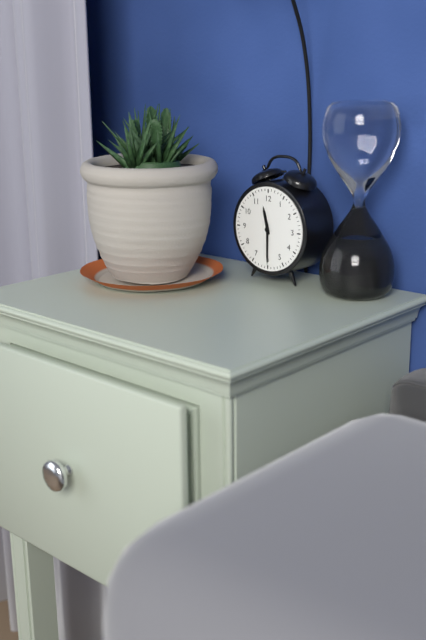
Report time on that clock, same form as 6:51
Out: 11:30
